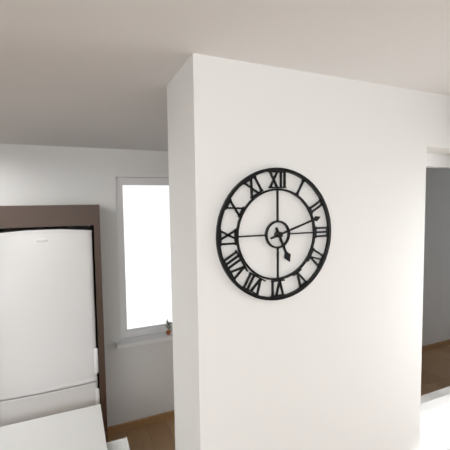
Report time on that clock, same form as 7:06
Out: 5:12
